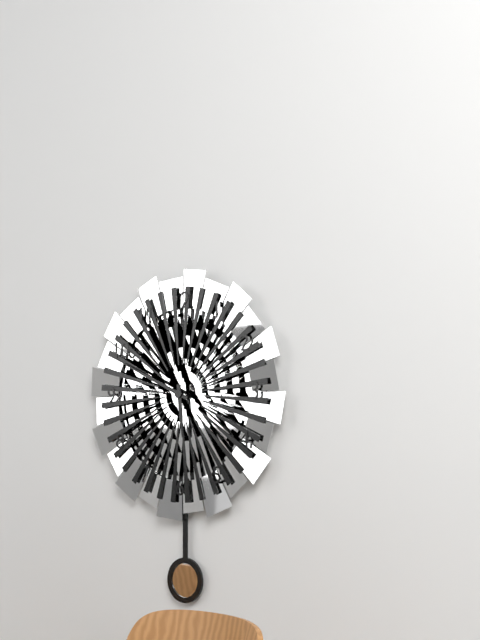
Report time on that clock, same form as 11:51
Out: 5:49
